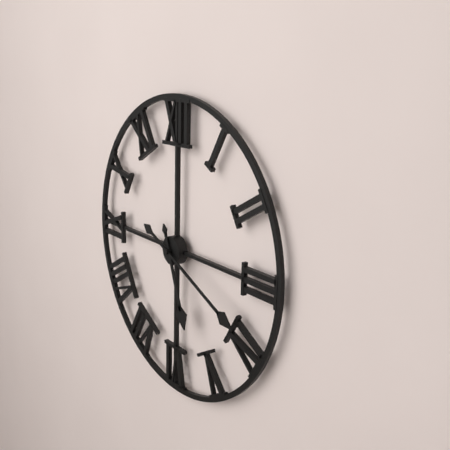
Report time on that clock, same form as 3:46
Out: 5:19
